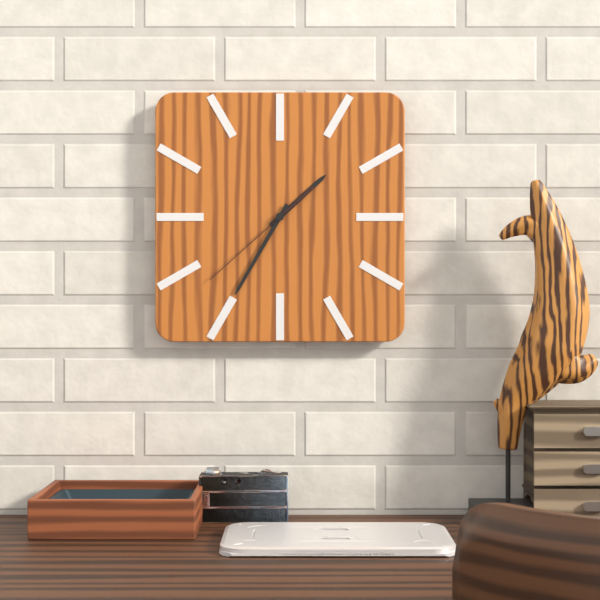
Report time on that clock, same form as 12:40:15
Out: 1:35:38
